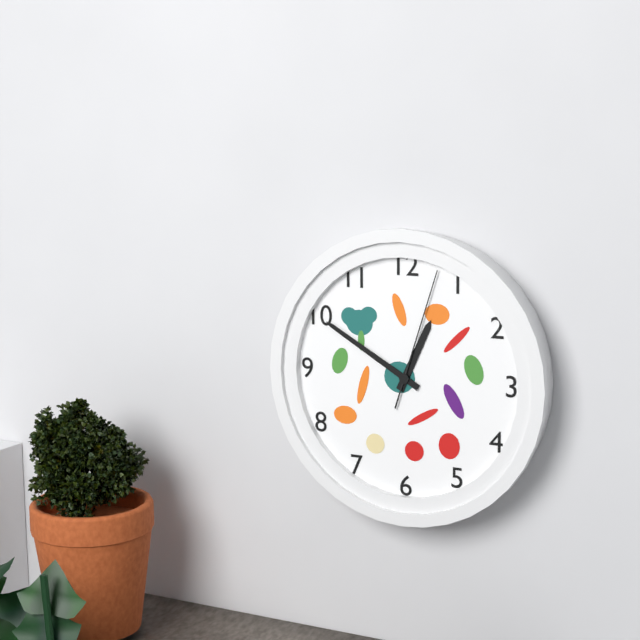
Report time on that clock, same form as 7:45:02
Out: 12:50:03
